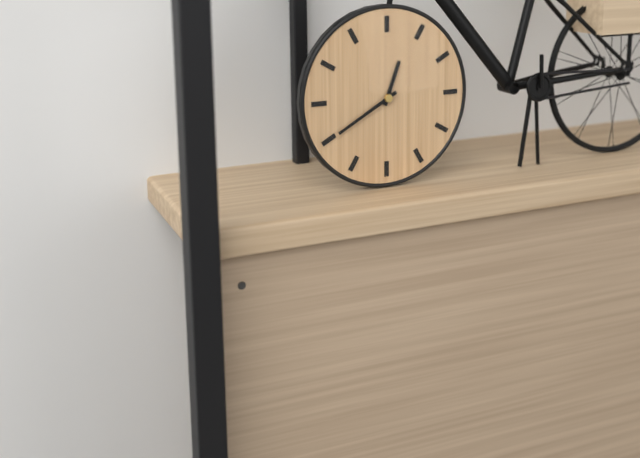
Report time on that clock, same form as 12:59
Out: 12:40
